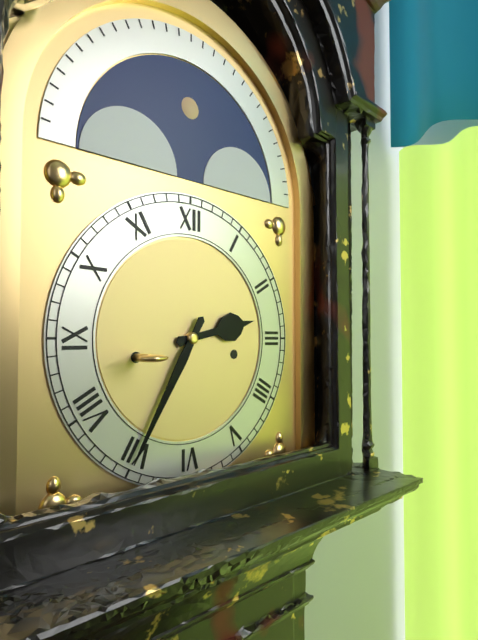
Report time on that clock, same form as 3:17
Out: 2:35
